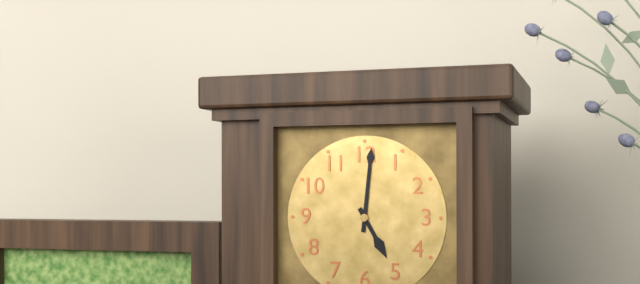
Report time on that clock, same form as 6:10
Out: 5:01
